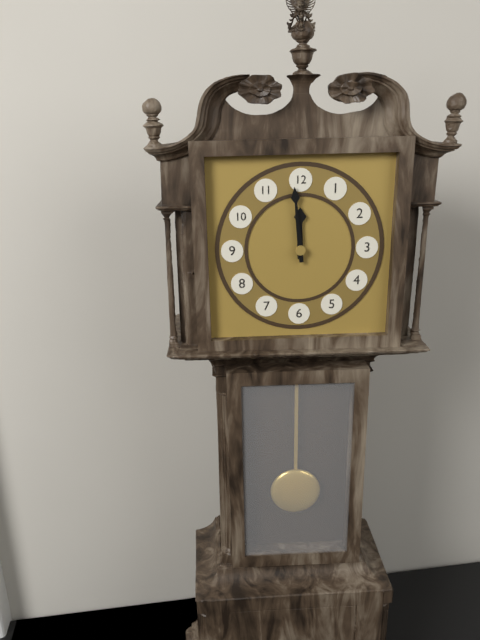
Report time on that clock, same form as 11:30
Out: 11:59
